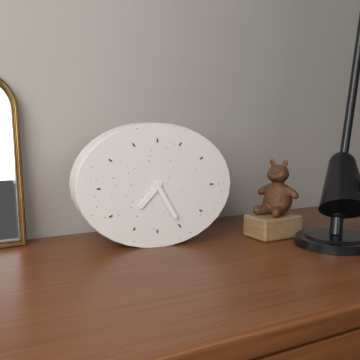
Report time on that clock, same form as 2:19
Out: 7:25
